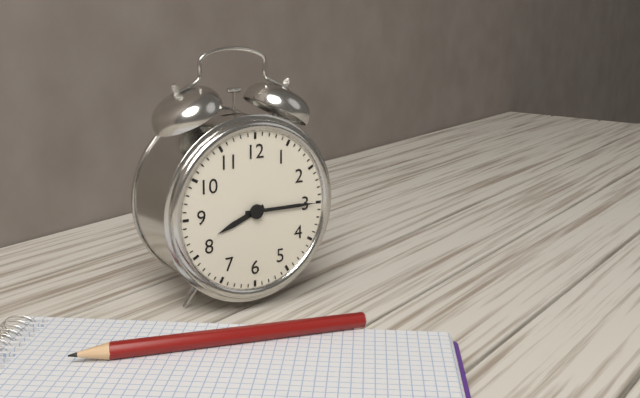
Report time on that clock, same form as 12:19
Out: 8:15
